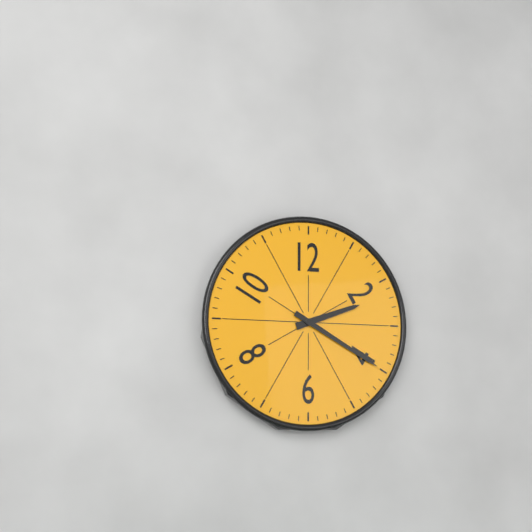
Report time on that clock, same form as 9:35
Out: 2:20
